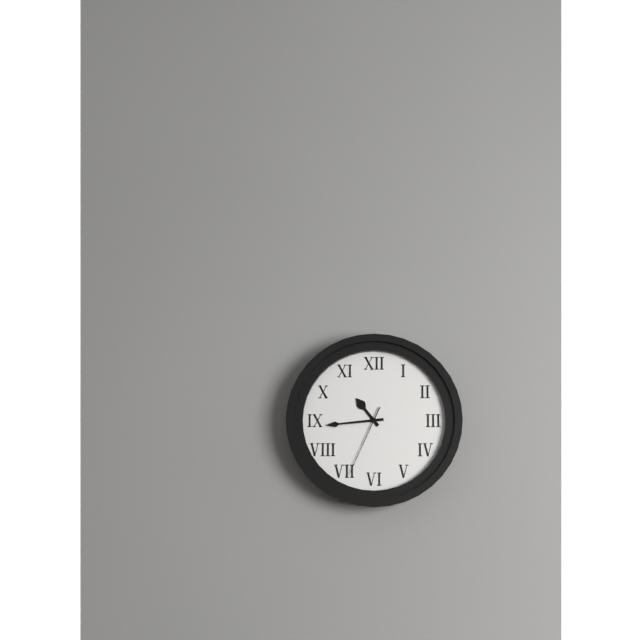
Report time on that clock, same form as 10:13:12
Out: 10:44:34
